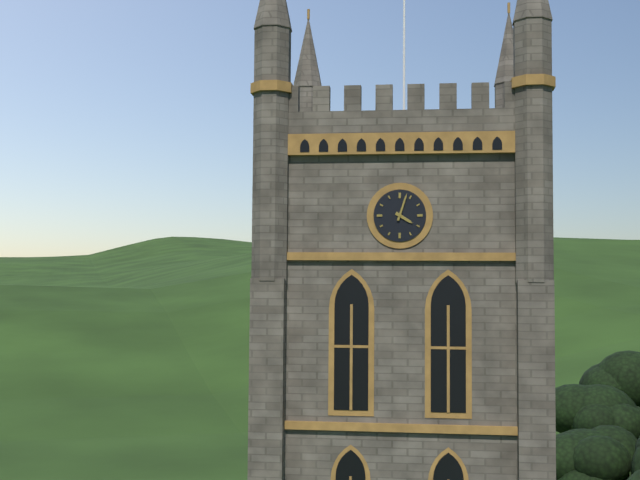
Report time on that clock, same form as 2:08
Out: 4:03
